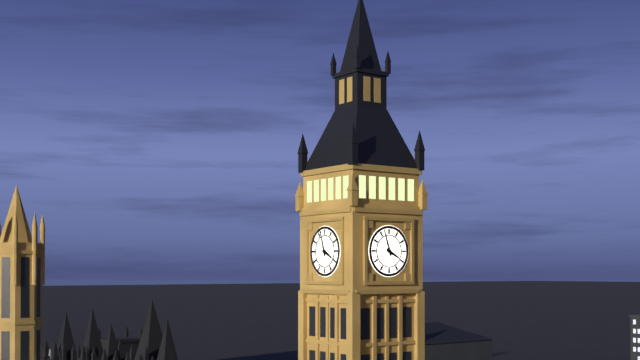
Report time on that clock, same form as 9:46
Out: 3:57
